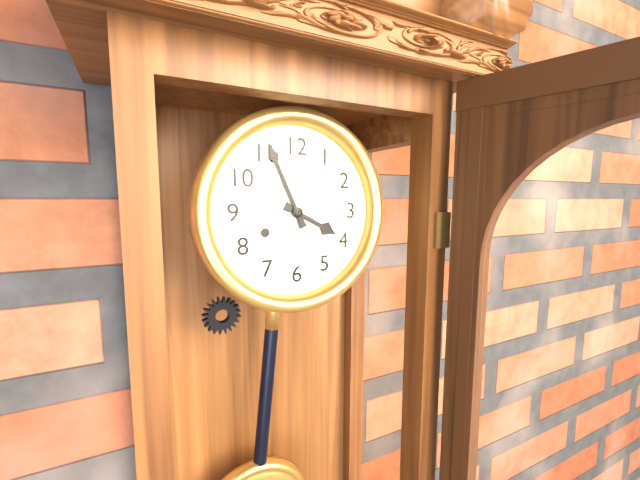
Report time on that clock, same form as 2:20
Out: 3:56
